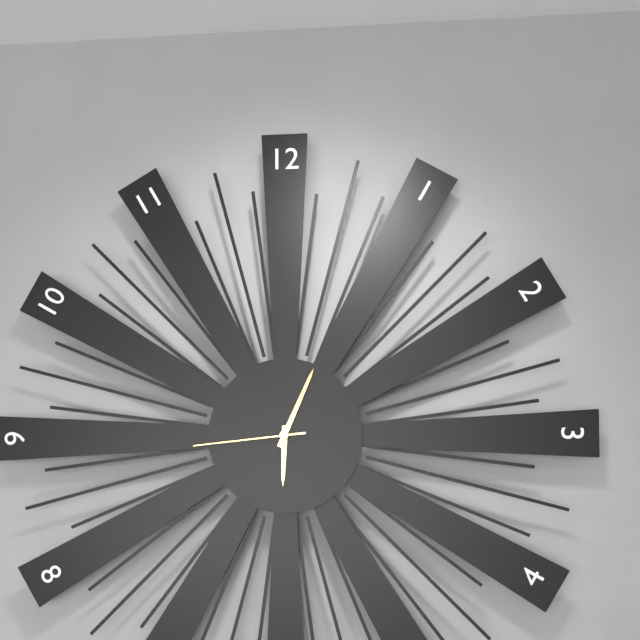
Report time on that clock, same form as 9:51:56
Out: 6:04:44
